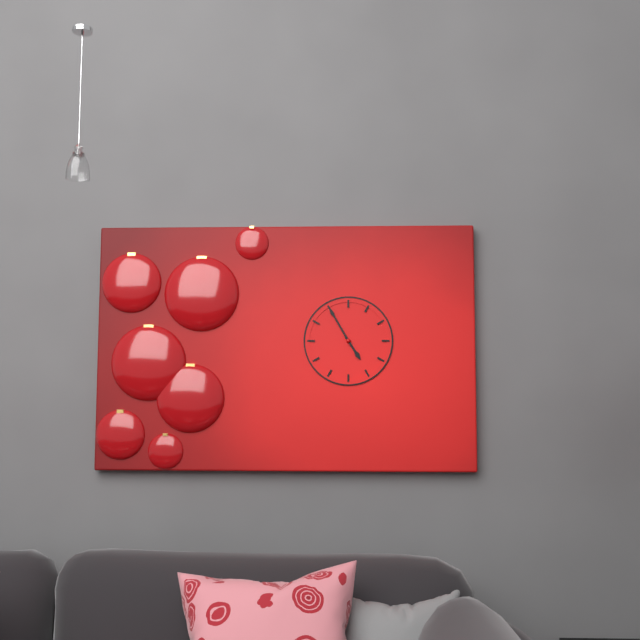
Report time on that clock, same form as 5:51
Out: 4:55
